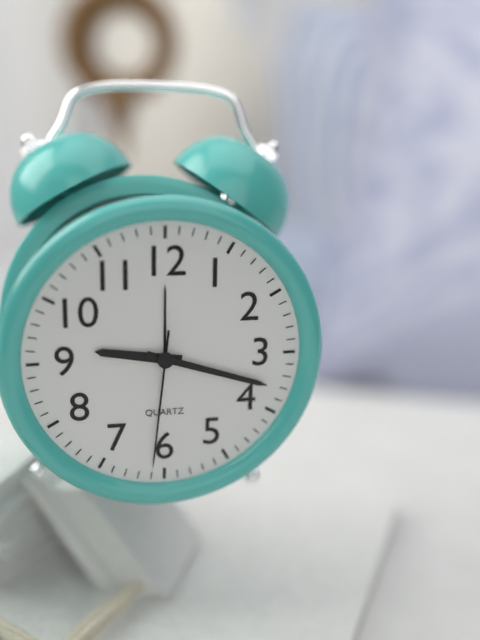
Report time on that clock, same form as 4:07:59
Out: 9:18:31
